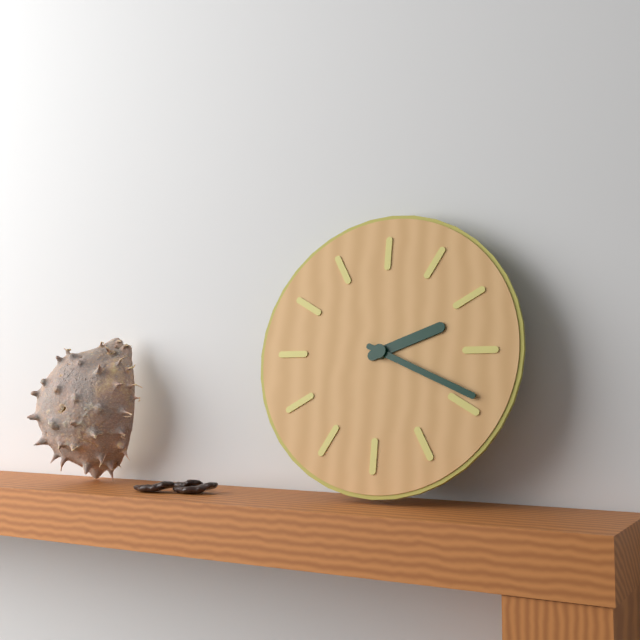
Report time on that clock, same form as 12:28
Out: 2:19
